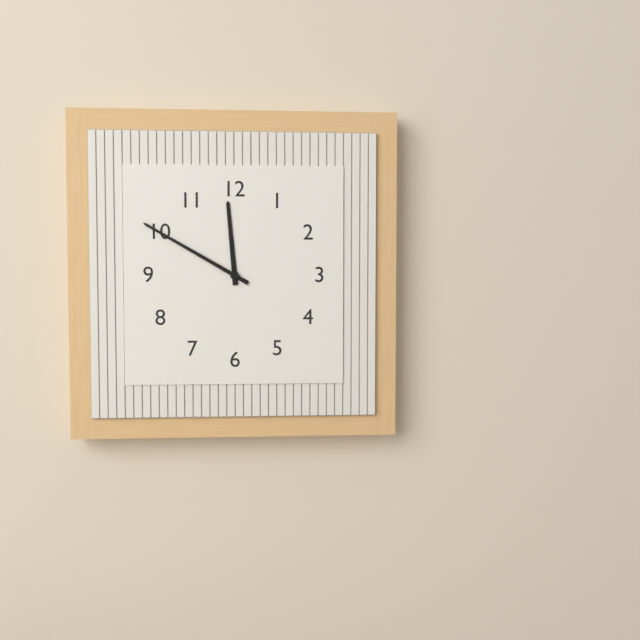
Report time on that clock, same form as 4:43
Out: 11:50
